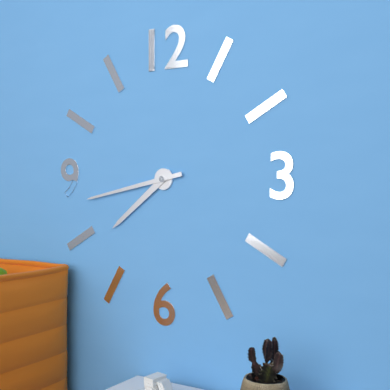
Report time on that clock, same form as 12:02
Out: 7:43
